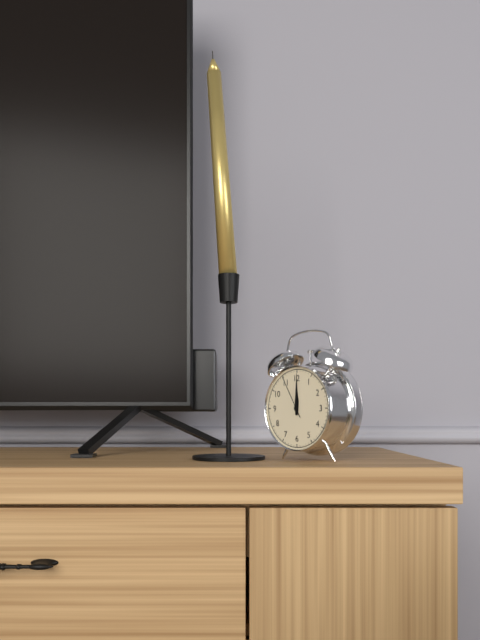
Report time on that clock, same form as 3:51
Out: 12:00
